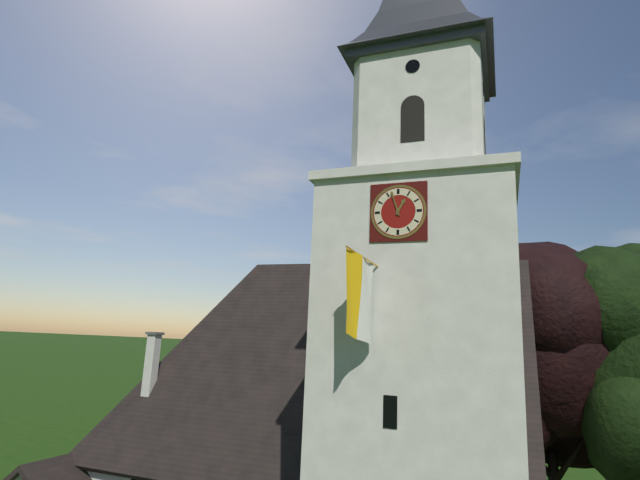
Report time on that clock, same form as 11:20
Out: 12:57
